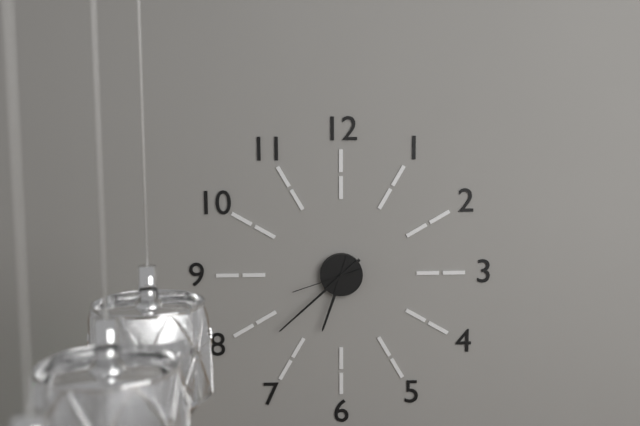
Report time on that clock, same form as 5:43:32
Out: 6:38:42
